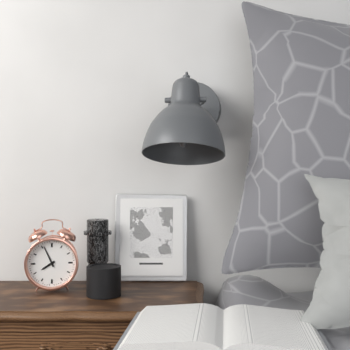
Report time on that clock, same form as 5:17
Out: 7:56
